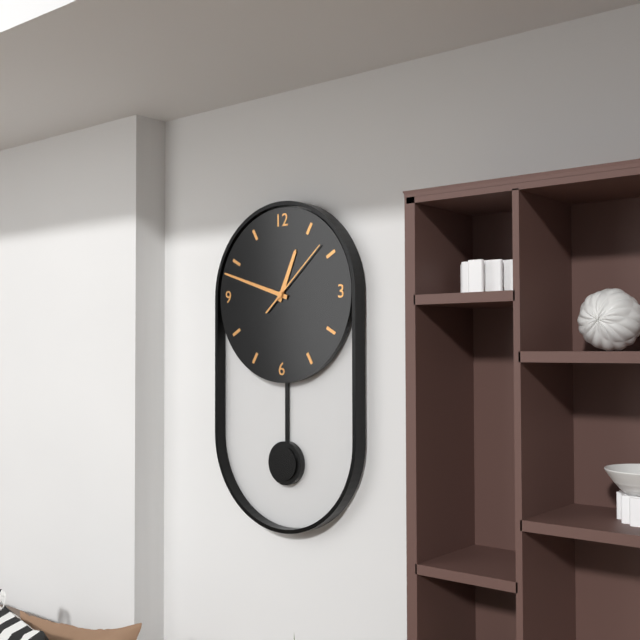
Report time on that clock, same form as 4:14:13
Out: 12:48:08
